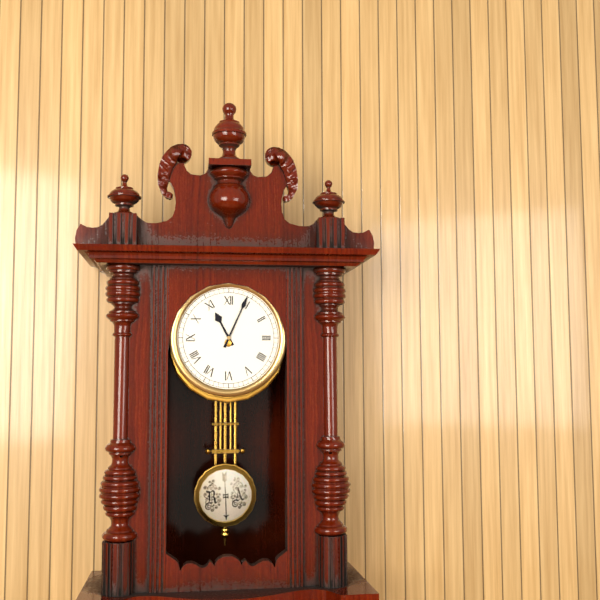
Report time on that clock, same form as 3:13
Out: 11:04
